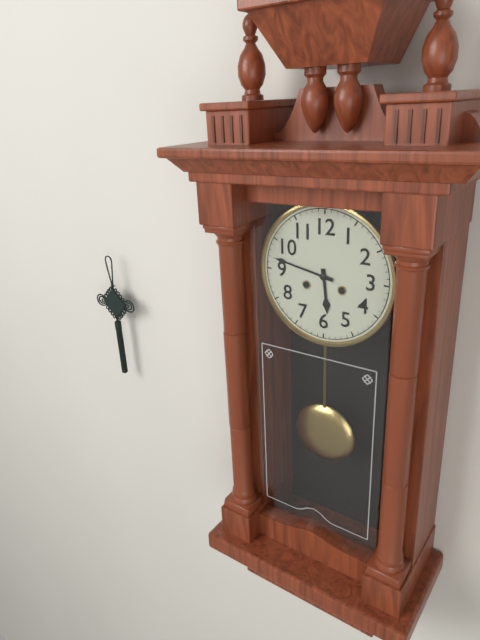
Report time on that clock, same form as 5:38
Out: 5:47
